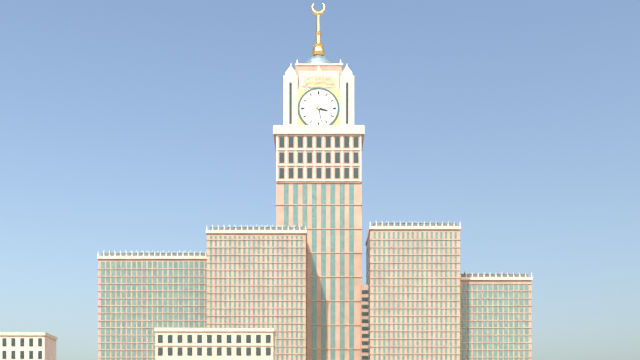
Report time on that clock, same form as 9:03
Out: 3:28
